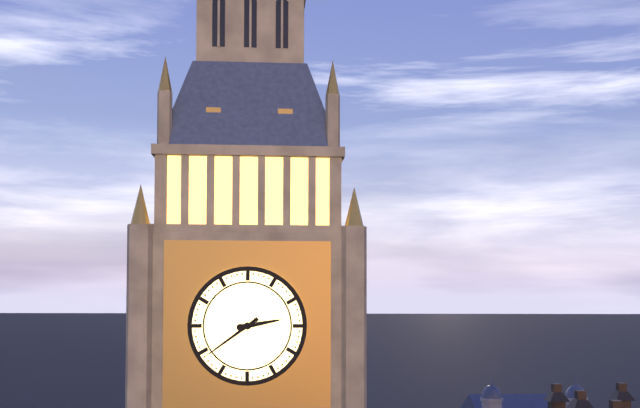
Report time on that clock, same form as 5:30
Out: 2:39
